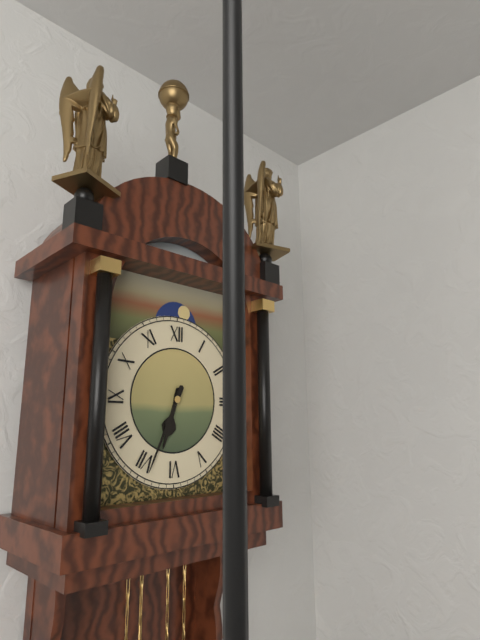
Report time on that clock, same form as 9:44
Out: 6:34
